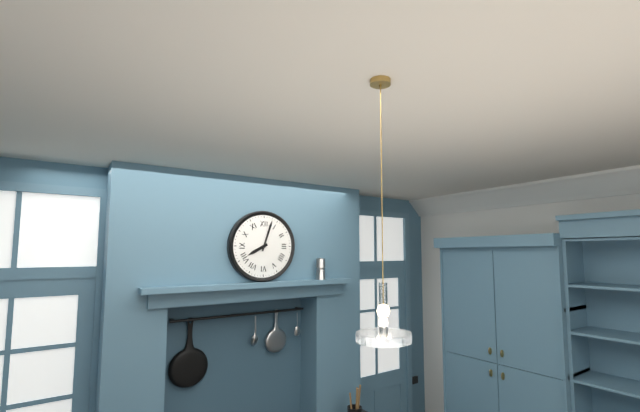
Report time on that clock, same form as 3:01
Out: 8:03
